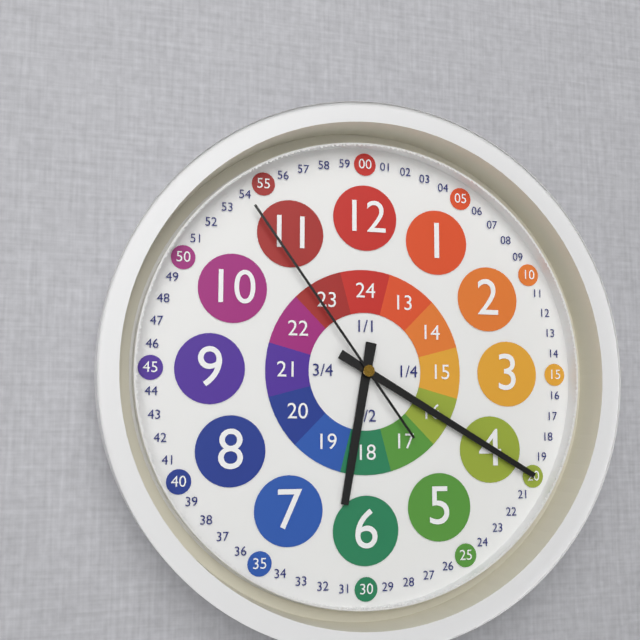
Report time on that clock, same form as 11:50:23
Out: 6:20:54
